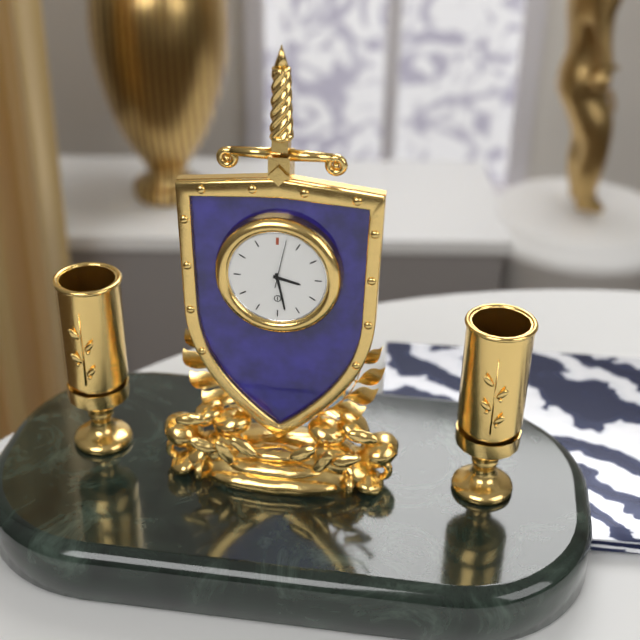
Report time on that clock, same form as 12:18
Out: 3:28
